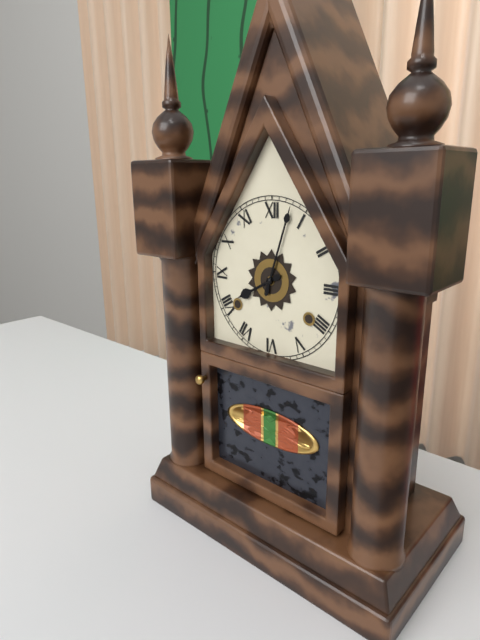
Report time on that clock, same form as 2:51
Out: 8:03
